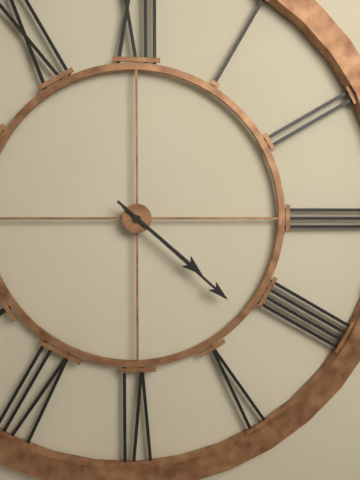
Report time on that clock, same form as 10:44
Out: 4:22
